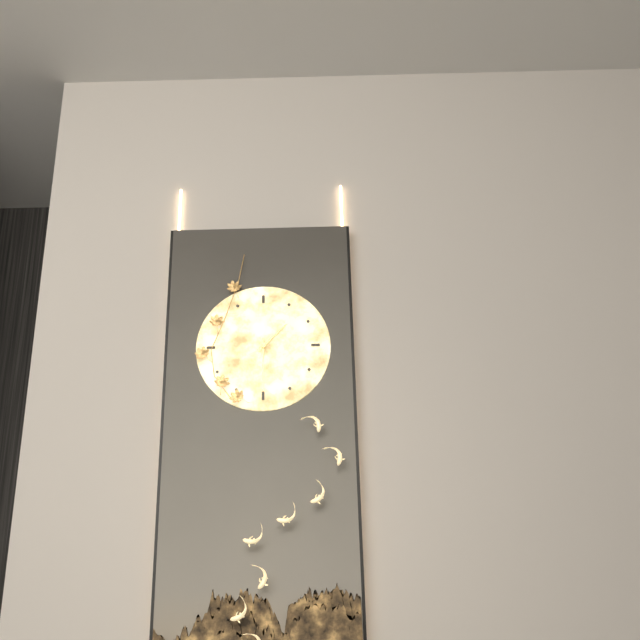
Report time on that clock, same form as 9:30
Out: 1:30
